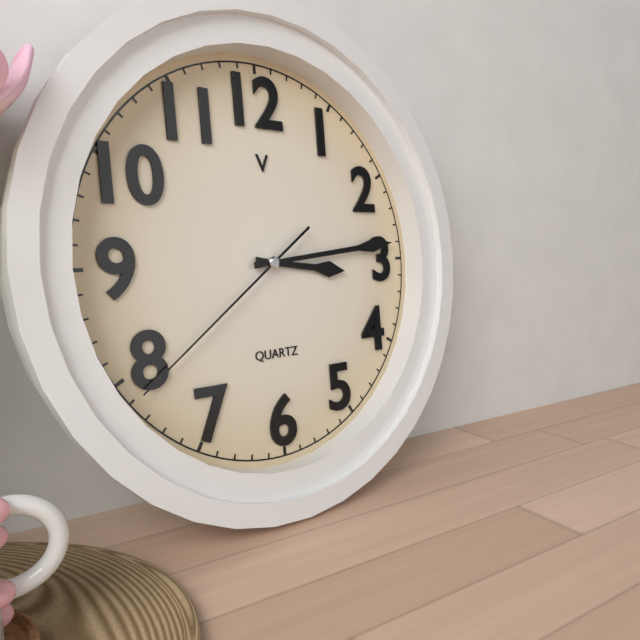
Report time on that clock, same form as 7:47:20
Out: 3:14:39
